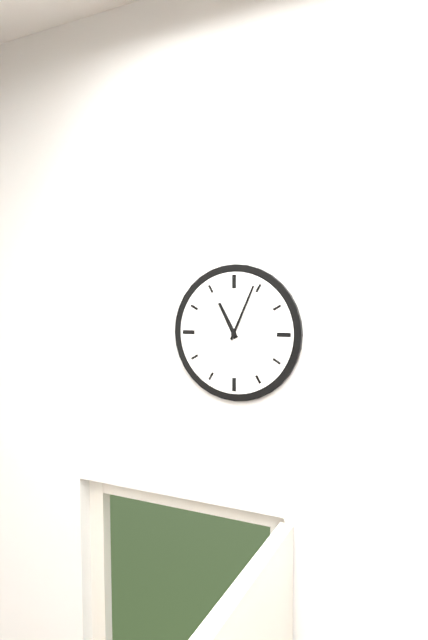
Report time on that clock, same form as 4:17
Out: 11:04
